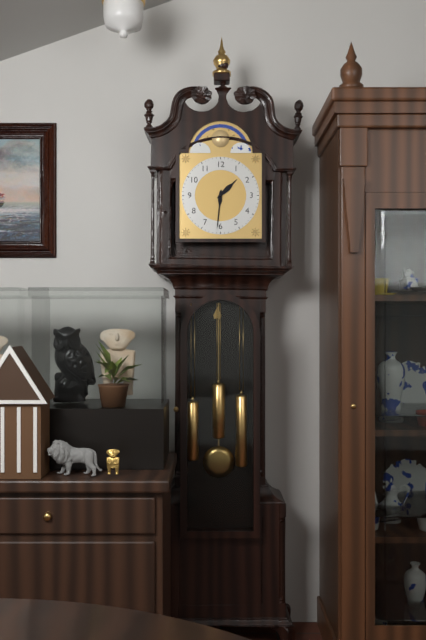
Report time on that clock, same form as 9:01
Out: 1:31
